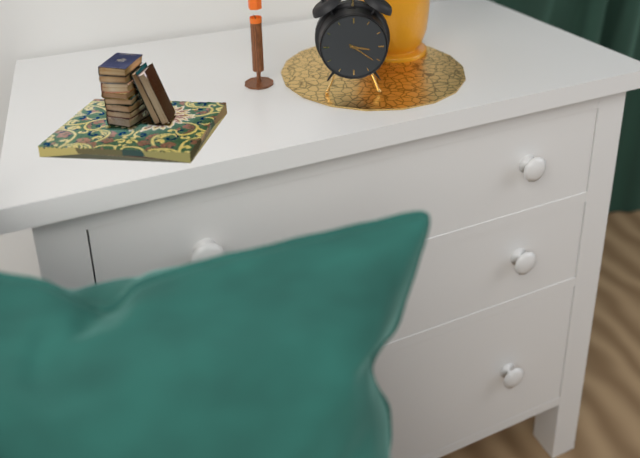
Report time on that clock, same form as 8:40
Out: 3:21
